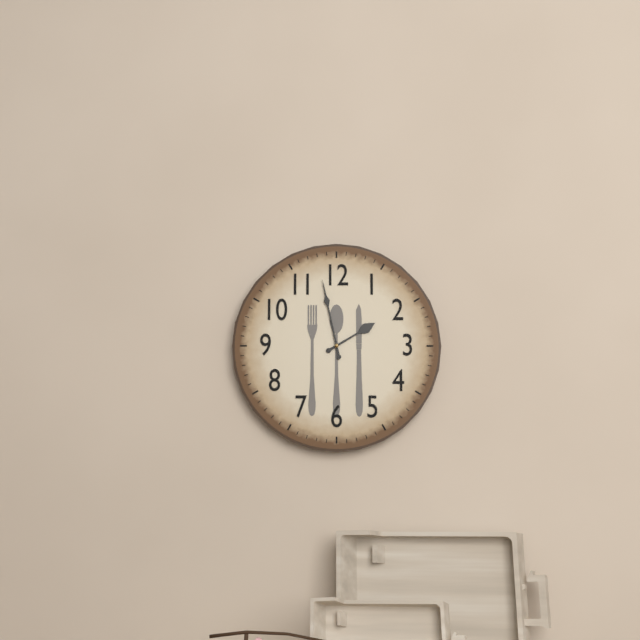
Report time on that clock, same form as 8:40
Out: 1:58
